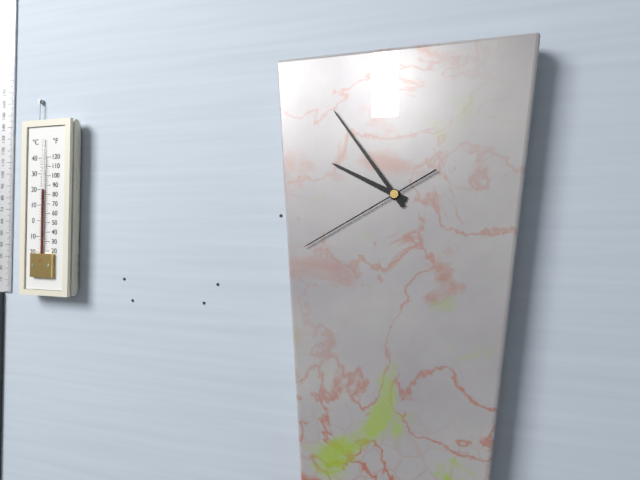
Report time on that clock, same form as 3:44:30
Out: 9:54:40
